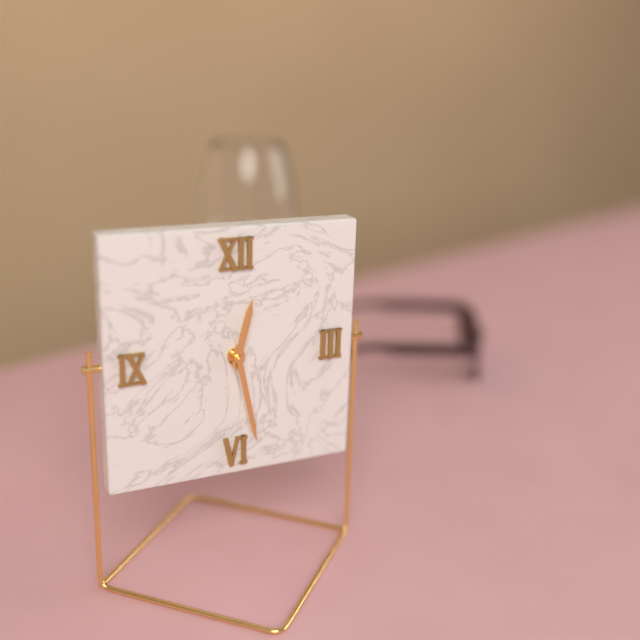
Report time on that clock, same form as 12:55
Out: 12:28
